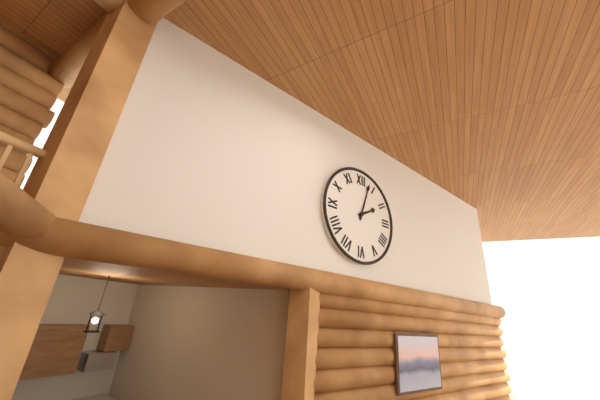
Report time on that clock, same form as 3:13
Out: 2:03
